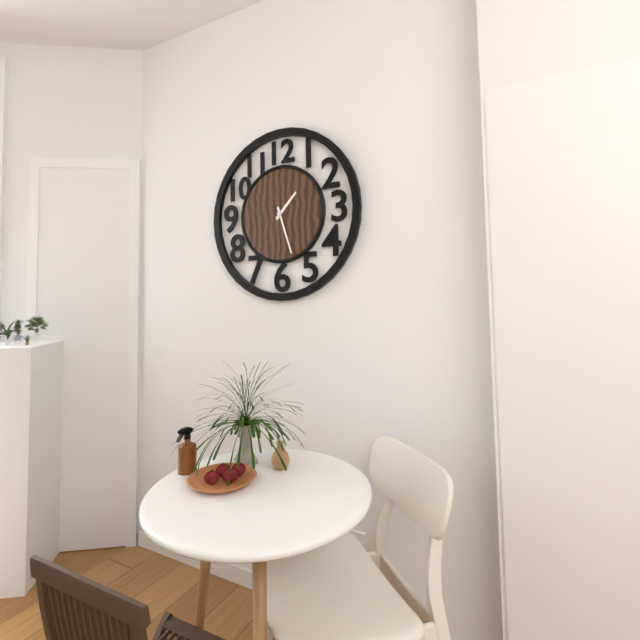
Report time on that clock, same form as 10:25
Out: 1:27
